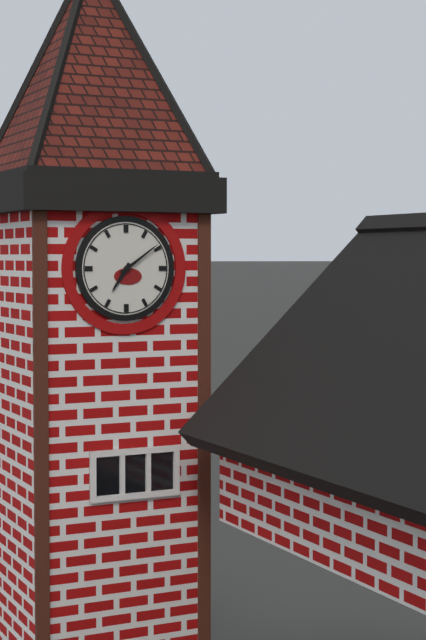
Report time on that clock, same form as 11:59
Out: 7:09
